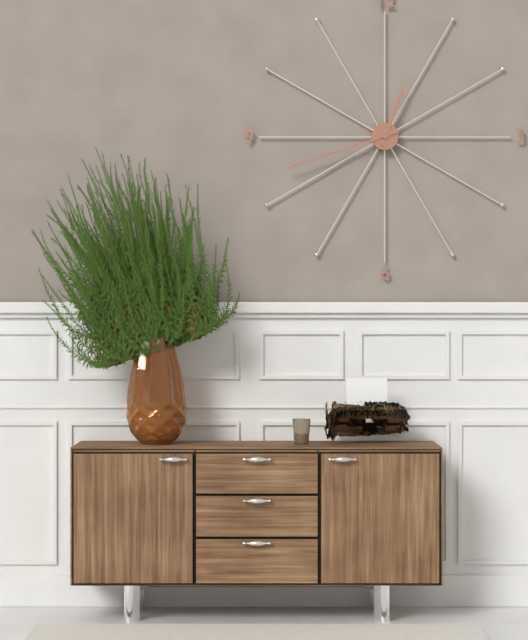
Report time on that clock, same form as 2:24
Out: 12:42
